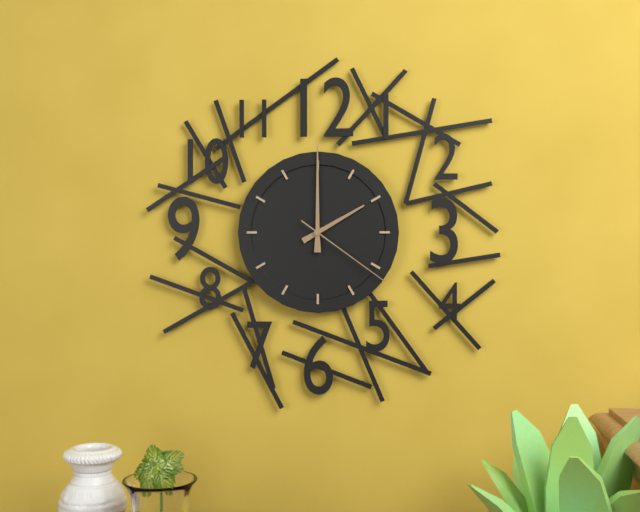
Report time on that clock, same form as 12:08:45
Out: 2:00:21
